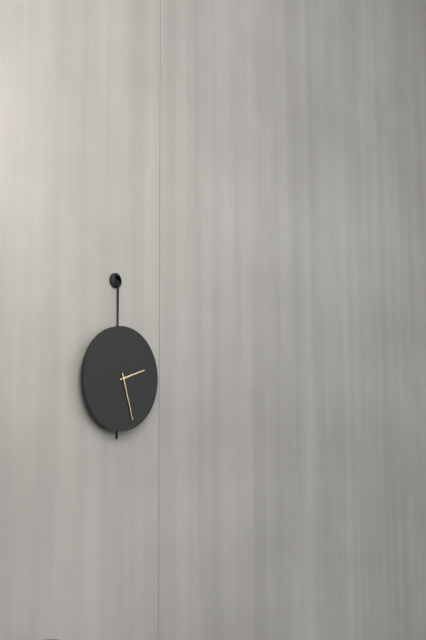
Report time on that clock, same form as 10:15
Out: 2:27
